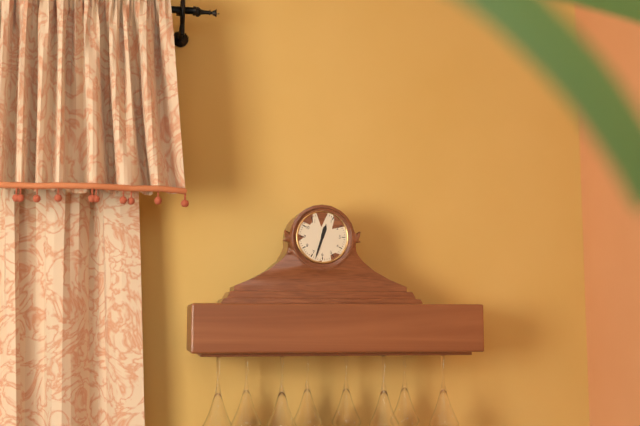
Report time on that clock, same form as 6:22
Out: 12:33
